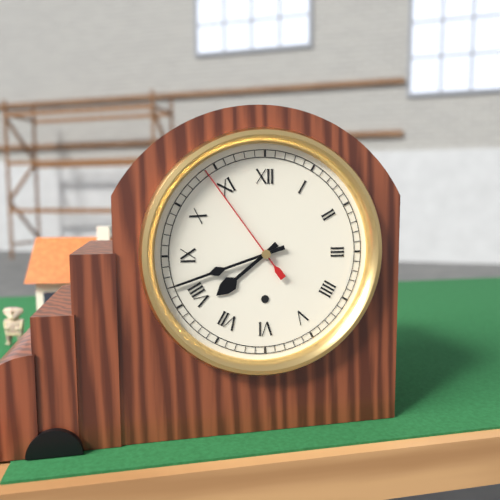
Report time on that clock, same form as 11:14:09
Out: 7:42:54
